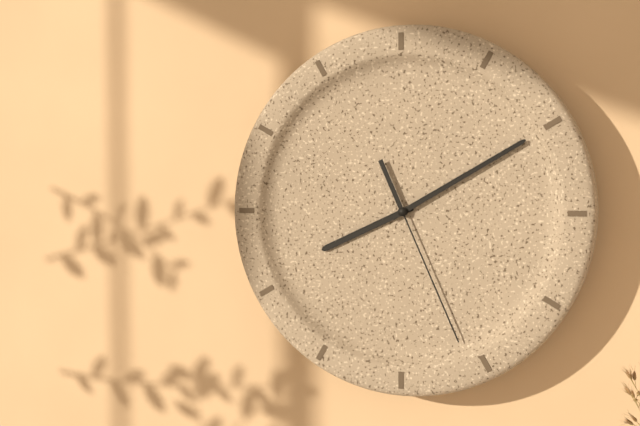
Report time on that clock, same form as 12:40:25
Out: 8:10:26
